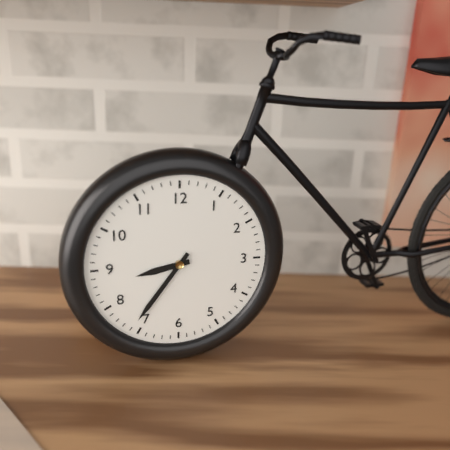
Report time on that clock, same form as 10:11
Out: 8:36
